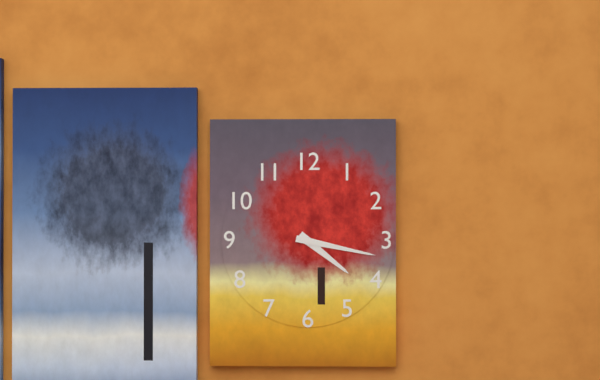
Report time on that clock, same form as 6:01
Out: 4:17
